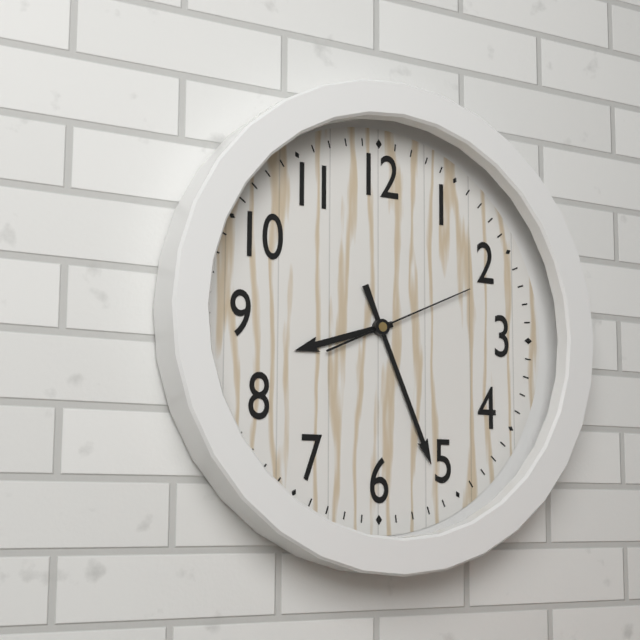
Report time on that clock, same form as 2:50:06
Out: 8:26:11
